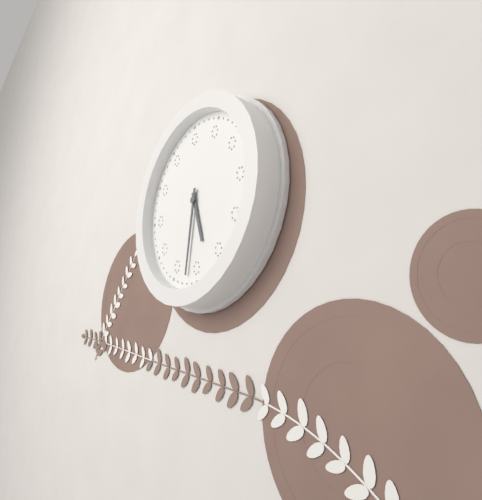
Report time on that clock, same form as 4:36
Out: 5:32
